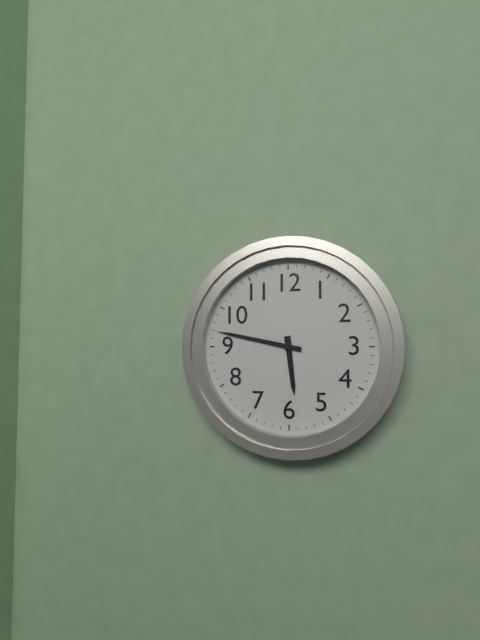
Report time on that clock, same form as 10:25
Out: 5:47
